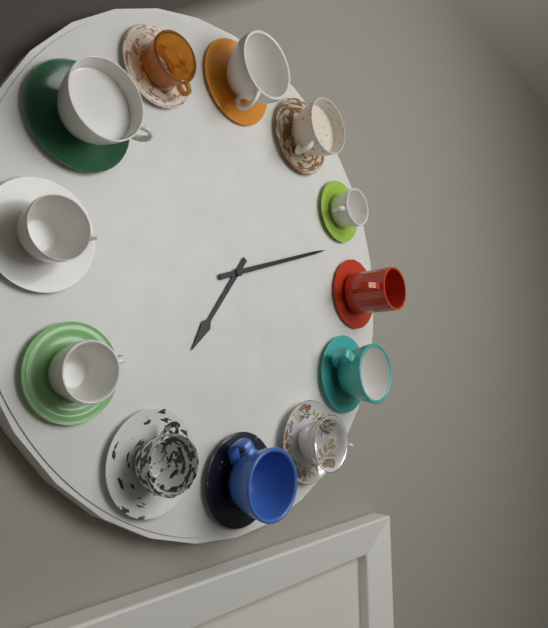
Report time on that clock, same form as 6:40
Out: 7:12
